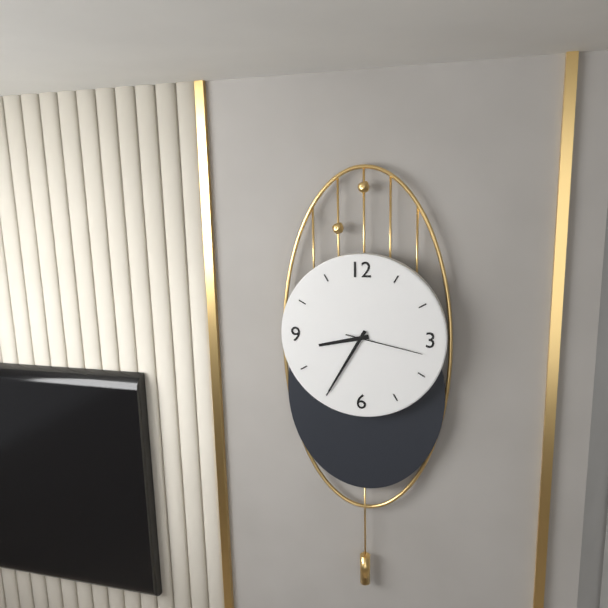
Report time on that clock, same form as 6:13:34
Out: 8:35:17
